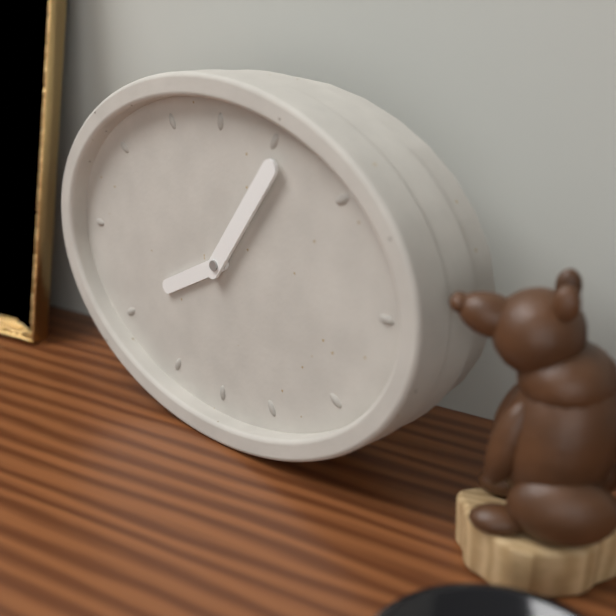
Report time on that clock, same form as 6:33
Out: 8:06
